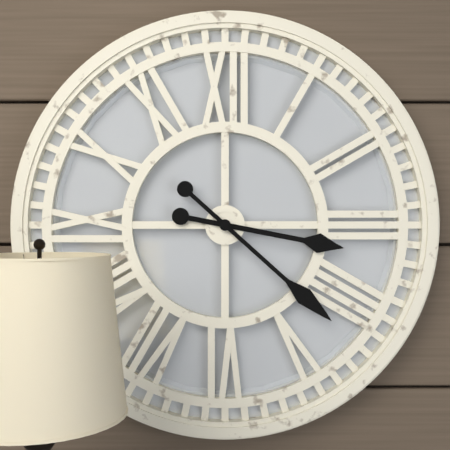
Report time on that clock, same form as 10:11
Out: 3:22
